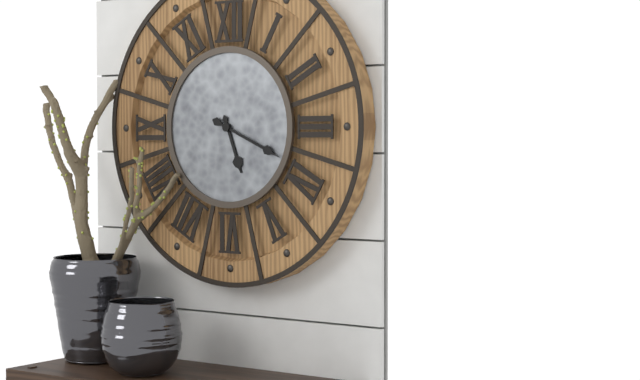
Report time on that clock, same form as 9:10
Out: 5:19
